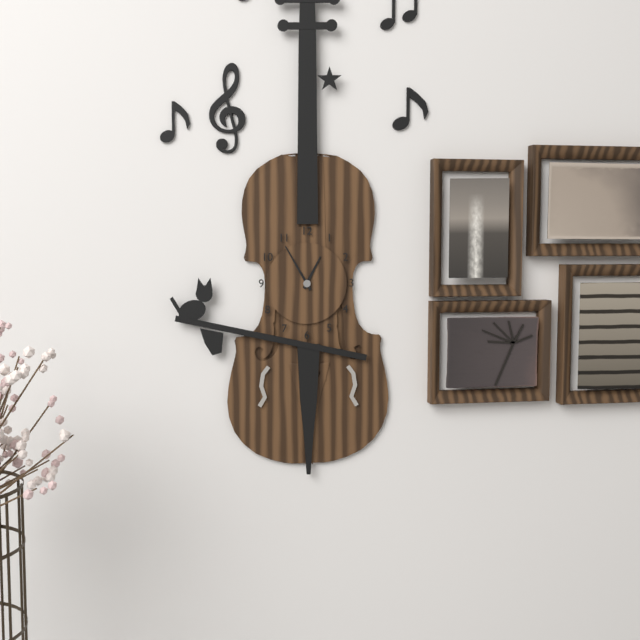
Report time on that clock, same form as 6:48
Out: 12:55
